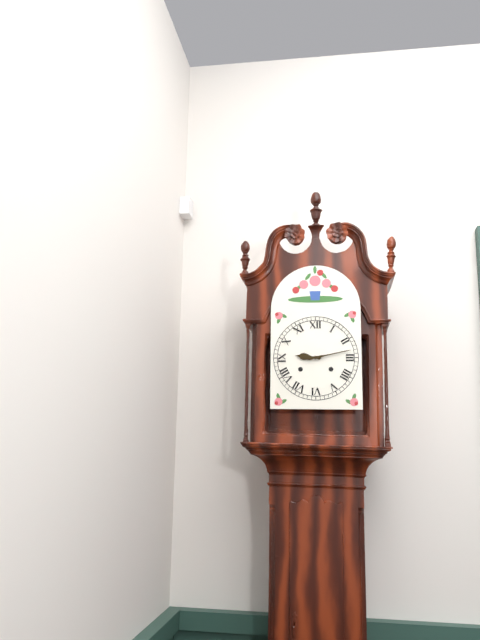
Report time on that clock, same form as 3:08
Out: 9:13
